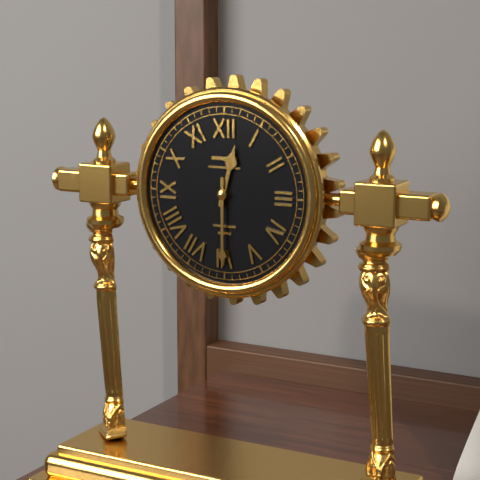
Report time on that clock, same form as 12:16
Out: 12:30
